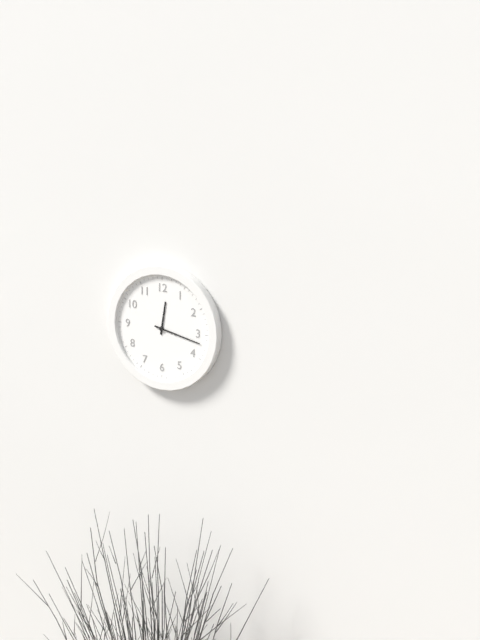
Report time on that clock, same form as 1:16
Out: 12:17
